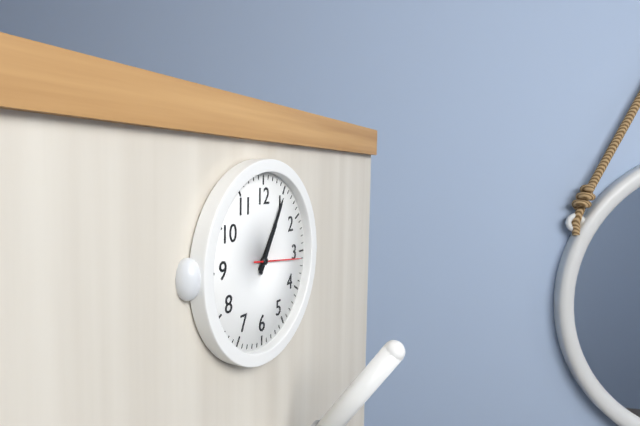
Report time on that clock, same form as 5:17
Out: 1:05
